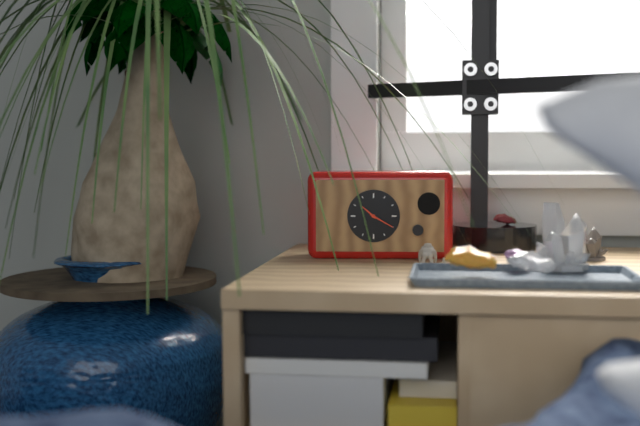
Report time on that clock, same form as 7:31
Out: 10:20
